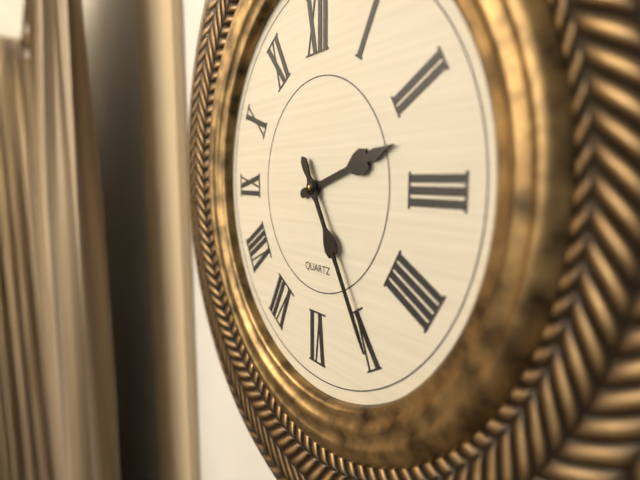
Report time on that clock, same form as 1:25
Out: 2:25
